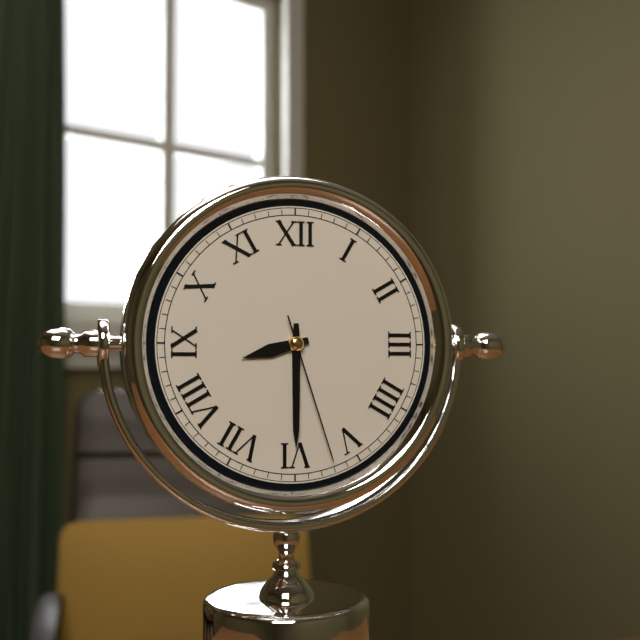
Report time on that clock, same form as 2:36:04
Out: 8:30:27
